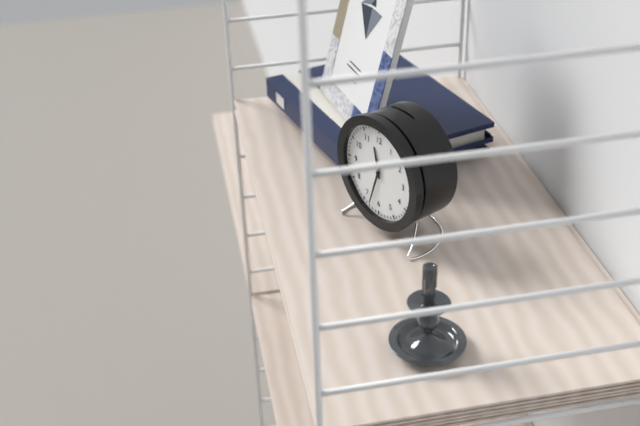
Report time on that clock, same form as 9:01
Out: 11:33
